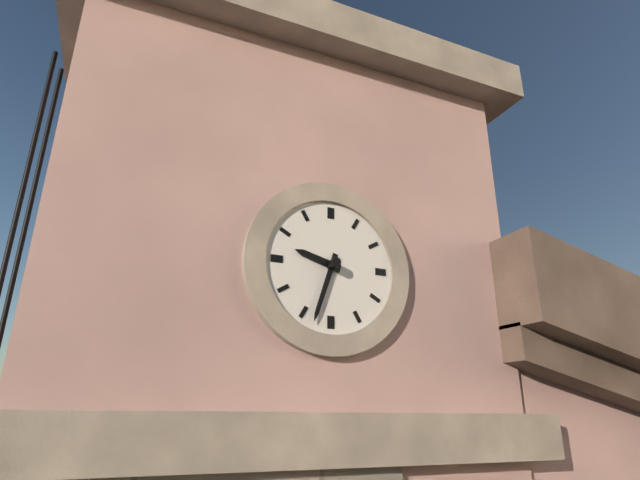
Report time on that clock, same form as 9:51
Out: 9:33
